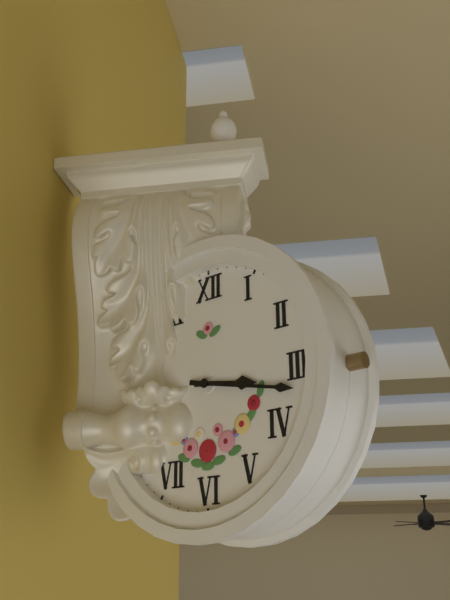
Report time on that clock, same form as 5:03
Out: 3:17
